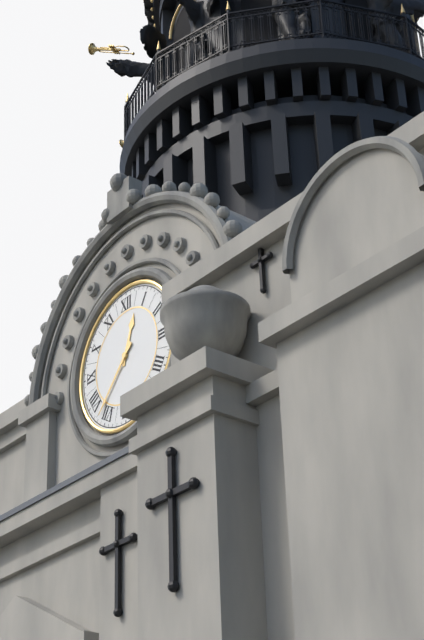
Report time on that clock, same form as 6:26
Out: 12:37
